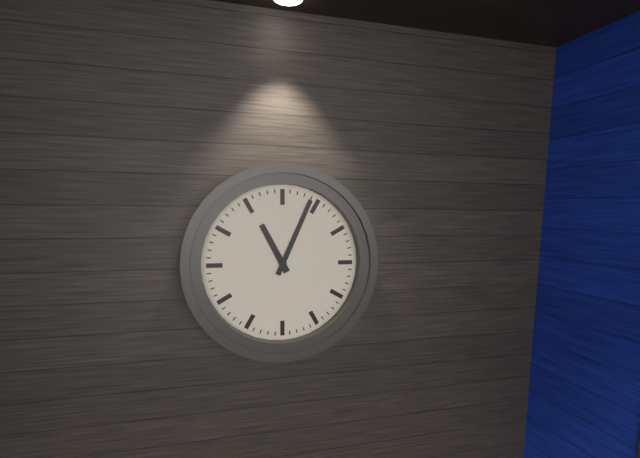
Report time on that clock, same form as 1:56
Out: 11:04
